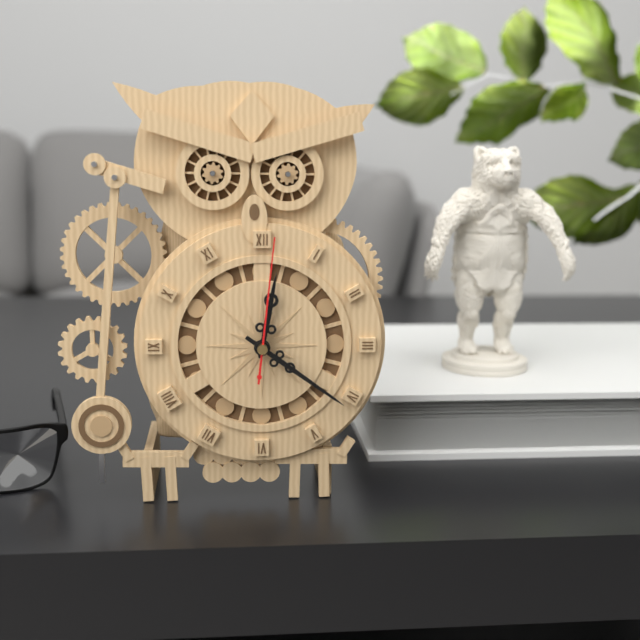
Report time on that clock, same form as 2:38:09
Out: 12:21:01
